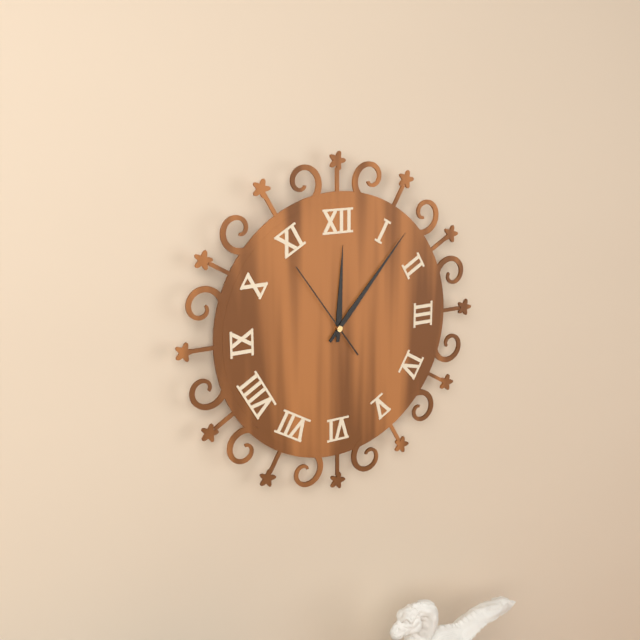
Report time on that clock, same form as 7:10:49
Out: 12:07:54
